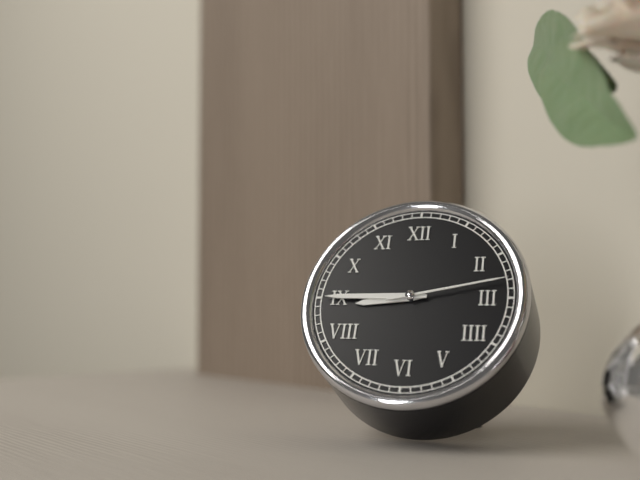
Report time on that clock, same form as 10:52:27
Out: 8:45:13
